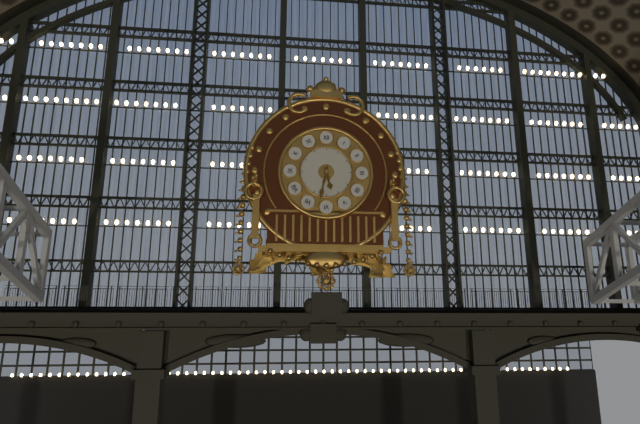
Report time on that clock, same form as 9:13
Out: 5:32
